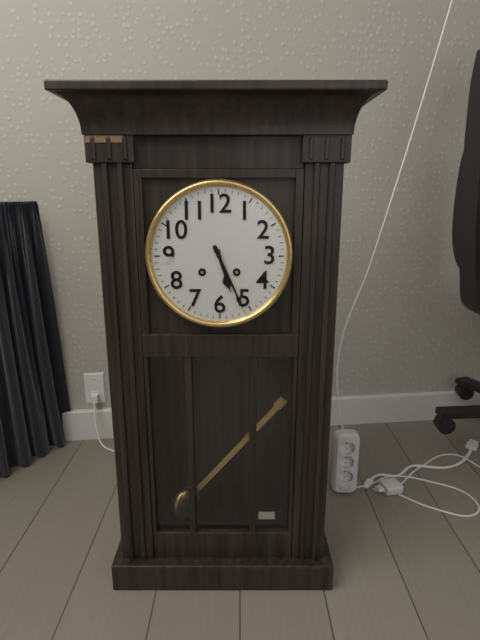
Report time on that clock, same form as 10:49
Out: 5:26
